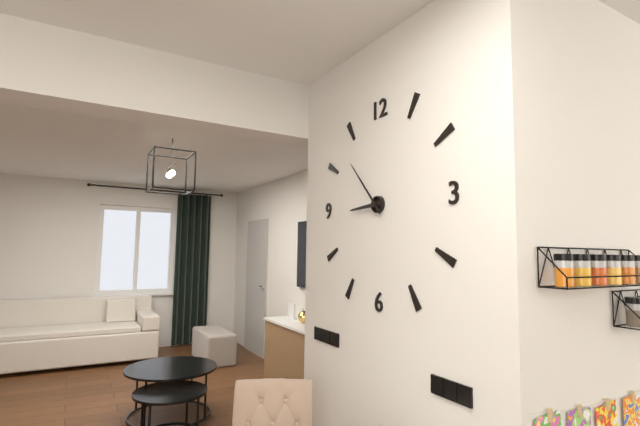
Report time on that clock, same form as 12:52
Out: 8:53
